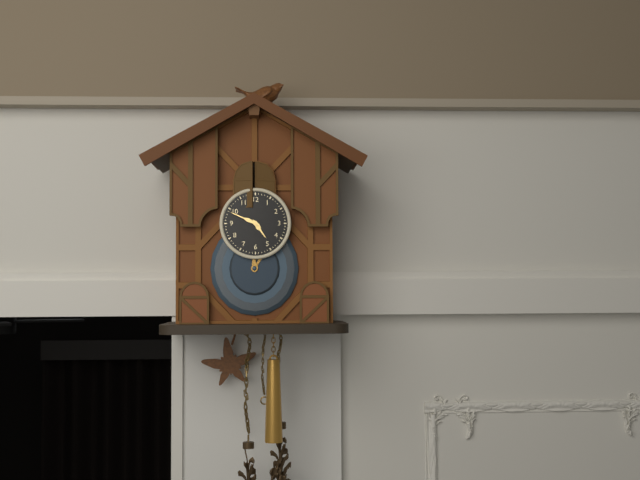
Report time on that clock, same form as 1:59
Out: 4:49
